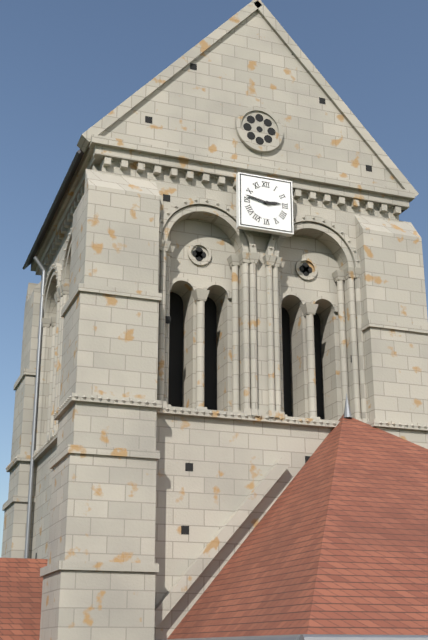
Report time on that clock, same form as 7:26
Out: 2:47
